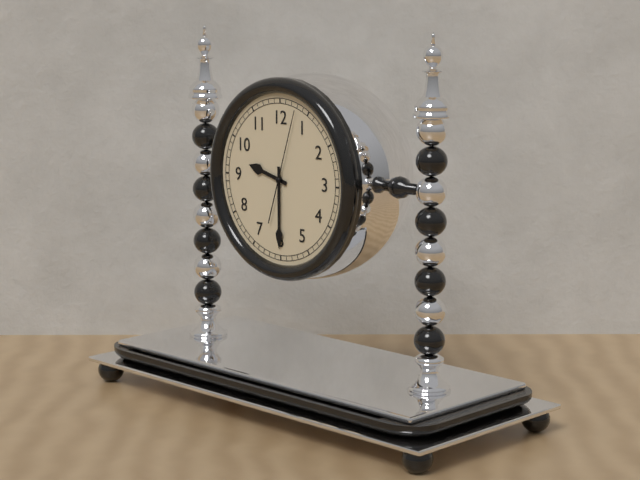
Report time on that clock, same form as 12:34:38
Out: 9:30:03
